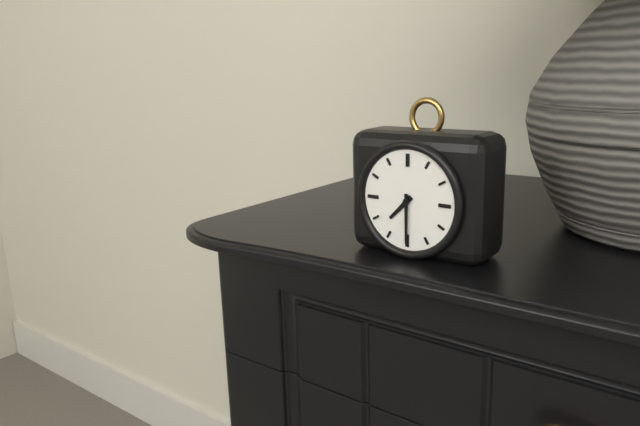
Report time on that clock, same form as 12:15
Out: 7:30
